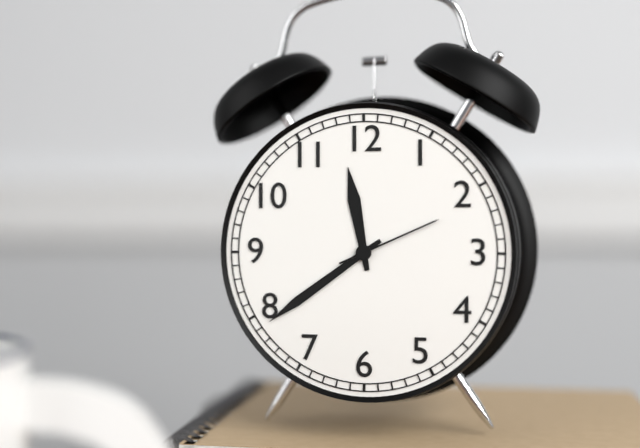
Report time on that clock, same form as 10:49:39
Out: 11:39:11
